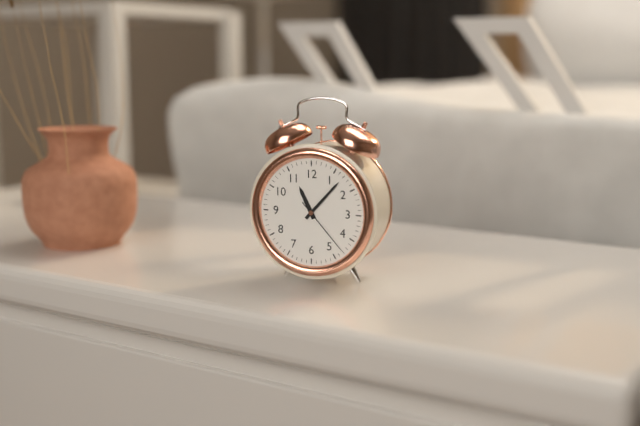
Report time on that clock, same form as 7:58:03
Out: 11:07:23
